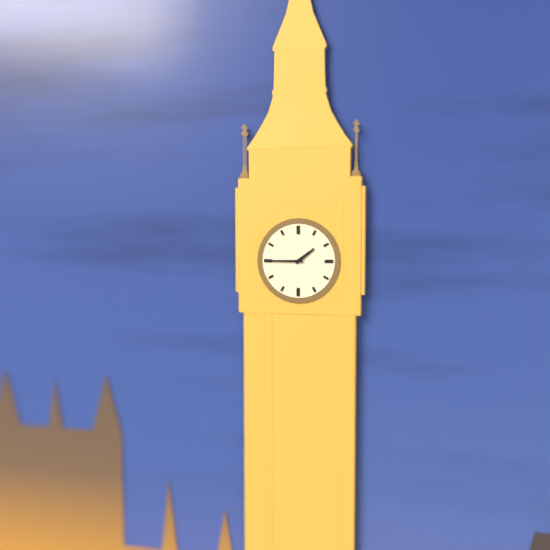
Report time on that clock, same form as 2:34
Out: 1:45
